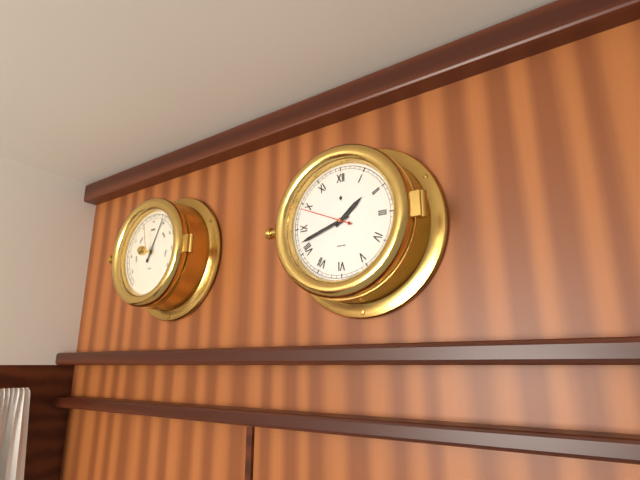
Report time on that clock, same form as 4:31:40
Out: 1:42:49
